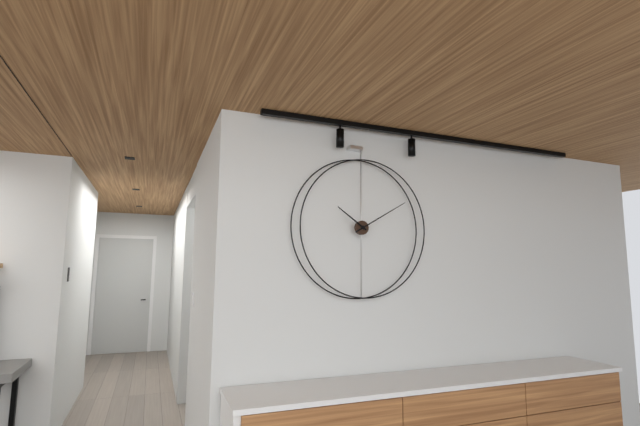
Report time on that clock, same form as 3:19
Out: 10:10
